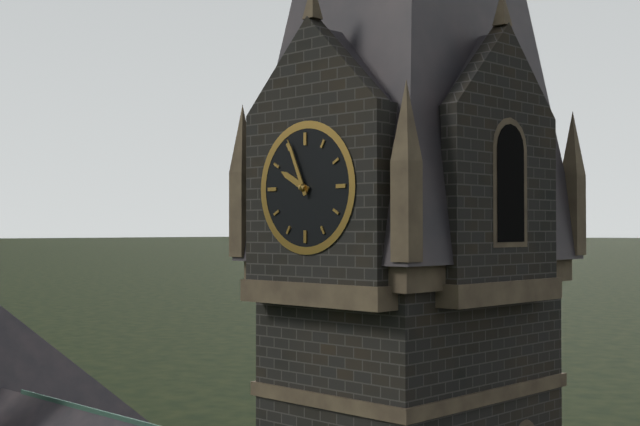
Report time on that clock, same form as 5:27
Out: 9:56
